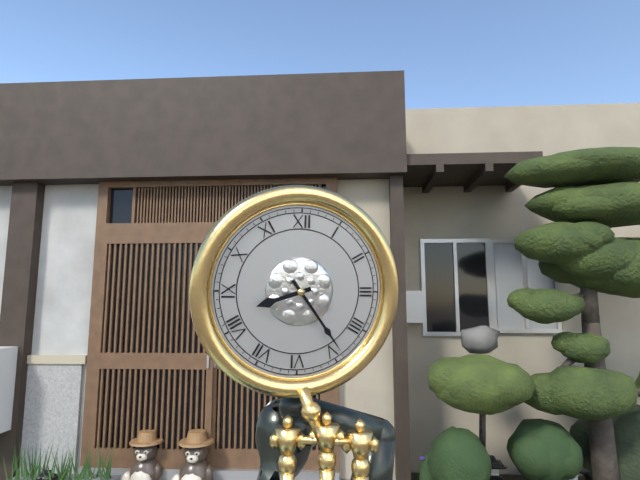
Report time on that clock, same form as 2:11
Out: 8:24
